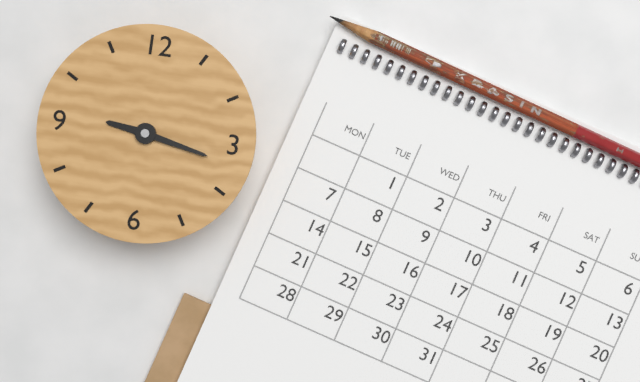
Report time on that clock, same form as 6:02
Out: 9:17
